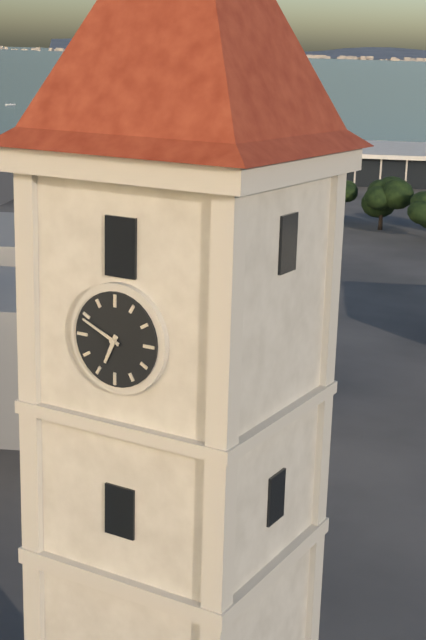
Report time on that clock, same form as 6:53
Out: 6:49
